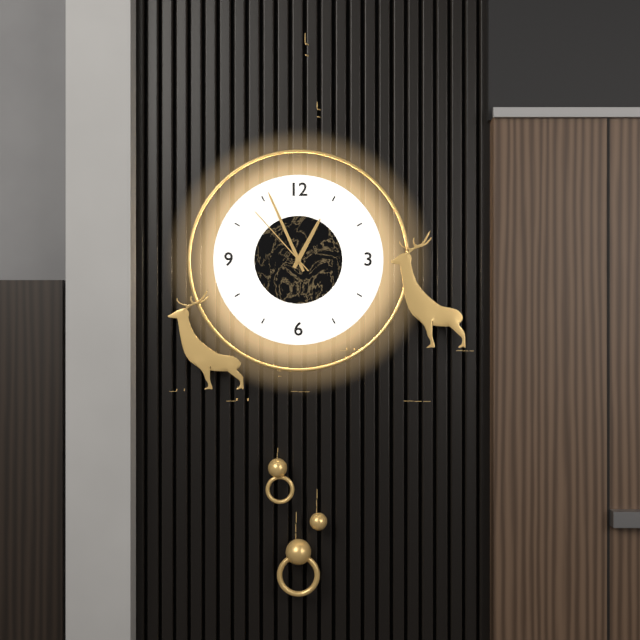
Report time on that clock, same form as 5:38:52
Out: 12:56:53
